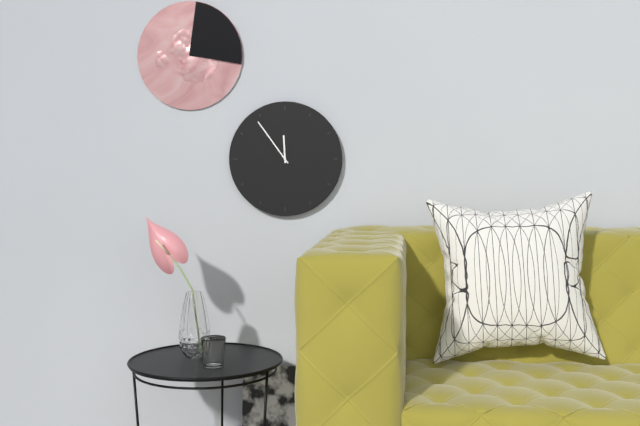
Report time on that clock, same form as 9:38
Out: 11:54
